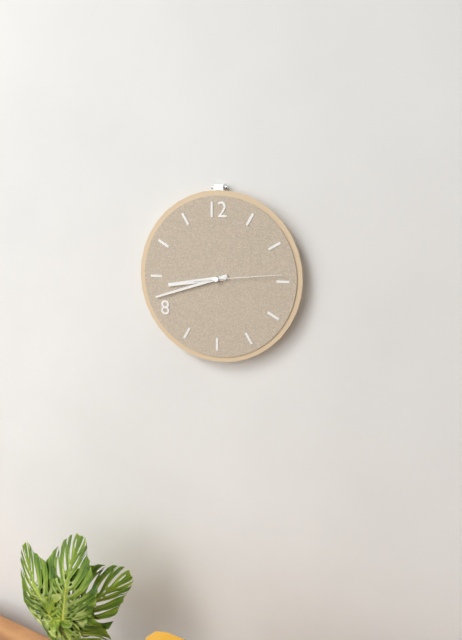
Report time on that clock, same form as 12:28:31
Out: 8:42:14
